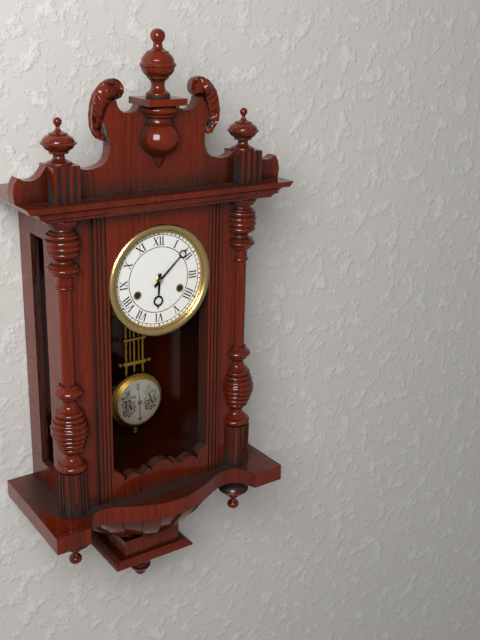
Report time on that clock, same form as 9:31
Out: 6:08
